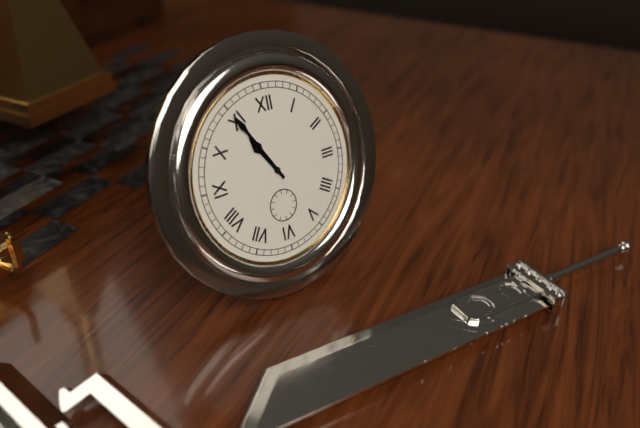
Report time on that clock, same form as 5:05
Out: 10:55
